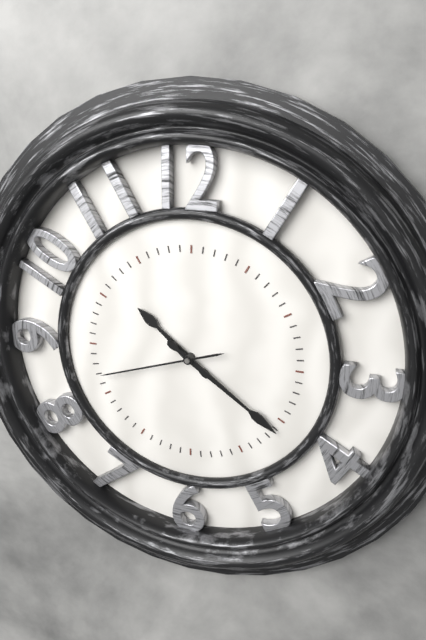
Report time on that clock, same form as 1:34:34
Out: 10:21:42
